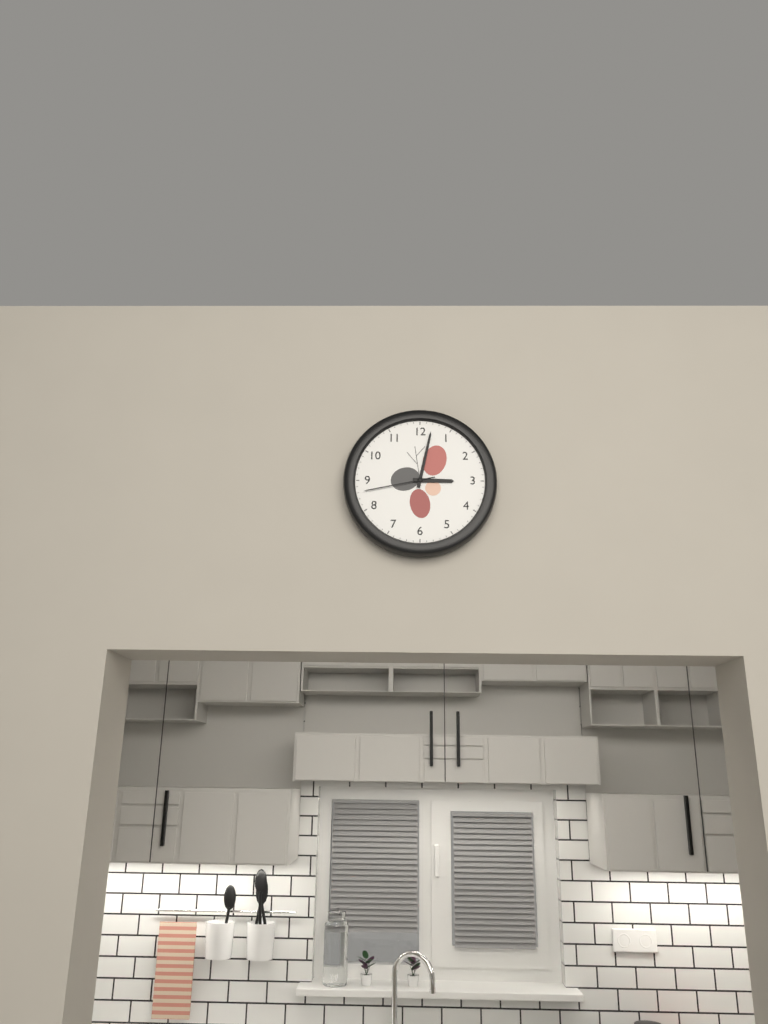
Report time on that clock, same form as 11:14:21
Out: 3:02:43
